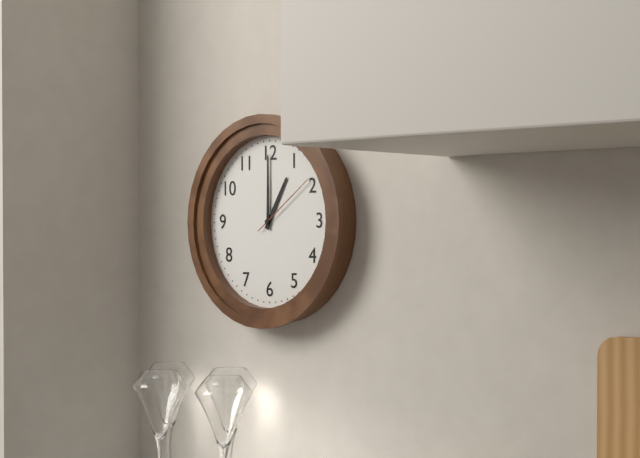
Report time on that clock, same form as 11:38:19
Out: 1:00:09
